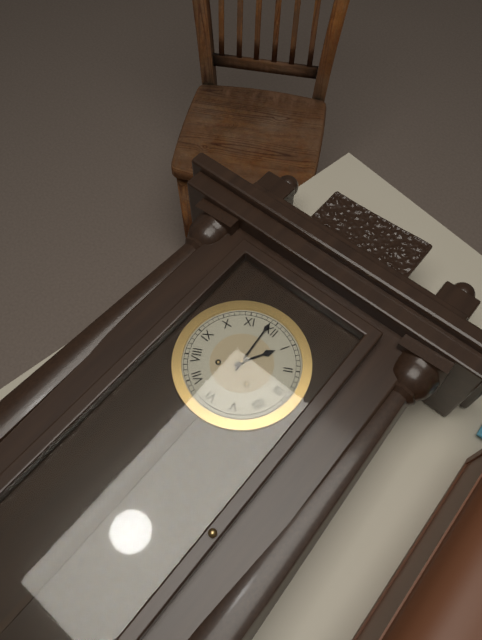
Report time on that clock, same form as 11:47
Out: 12:59
